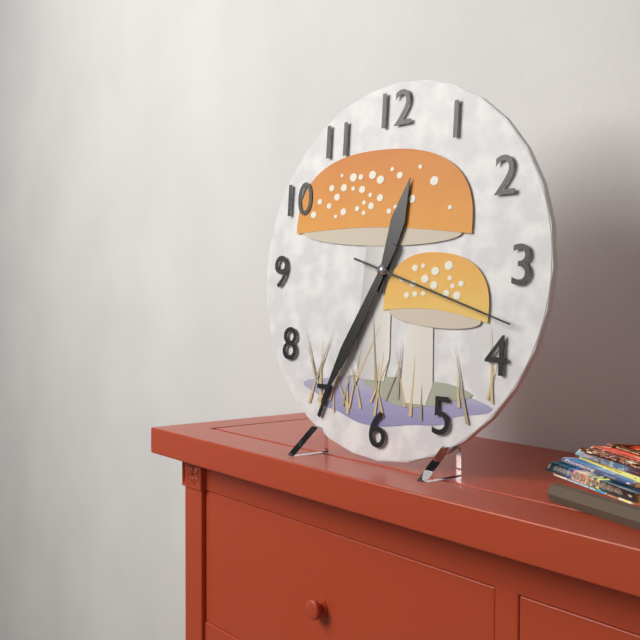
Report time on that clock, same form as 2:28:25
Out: 12:35:18
